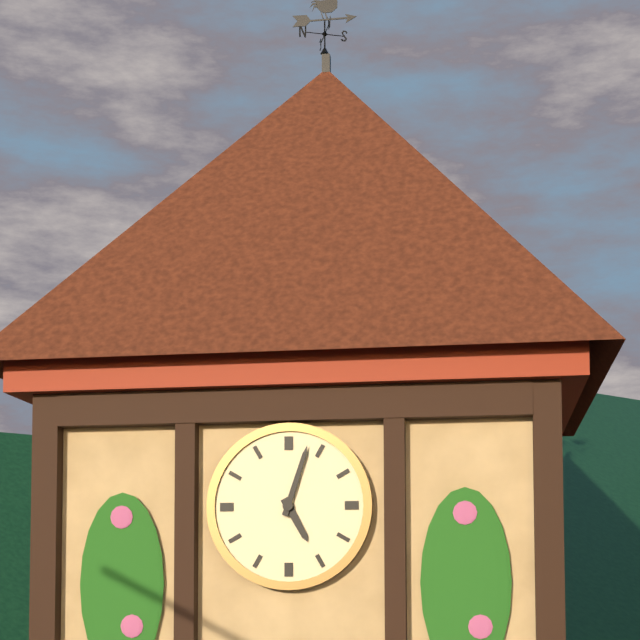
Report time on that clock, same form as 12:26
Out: 5:03
